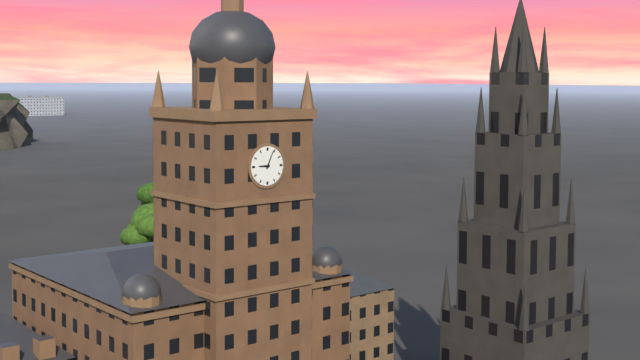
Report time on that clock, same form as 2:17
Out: 9:04
